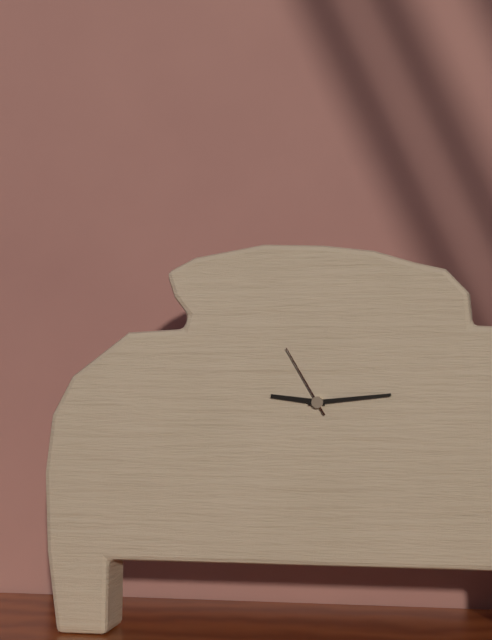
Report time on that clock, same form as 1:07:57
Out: 9:14:55
